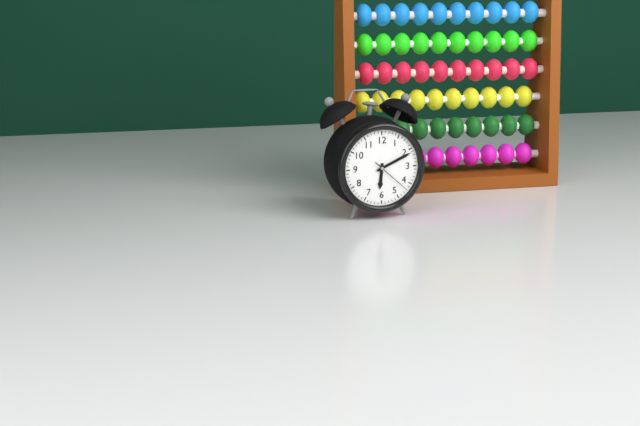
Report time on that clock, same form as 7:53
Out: 6:11
